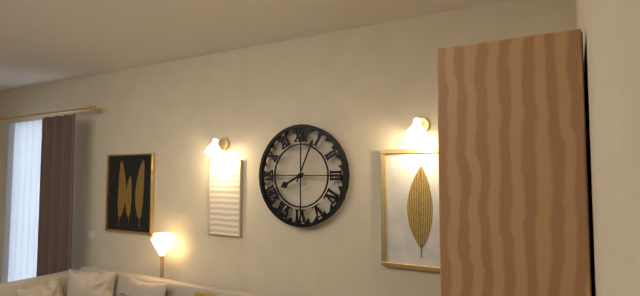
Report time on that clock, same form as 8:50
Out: 8:04
